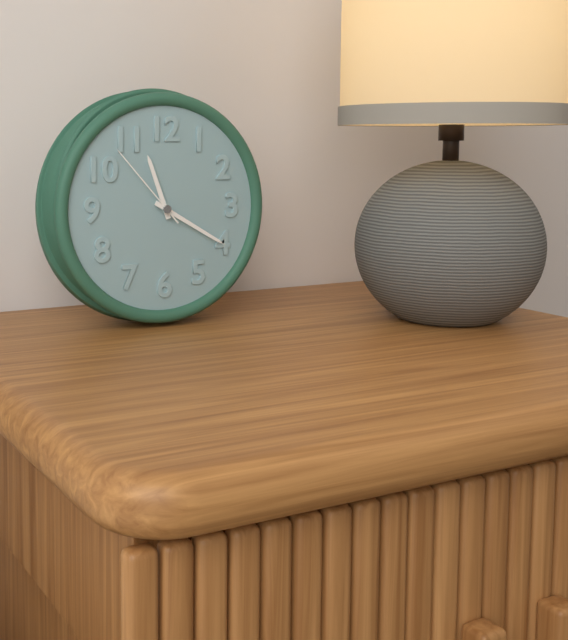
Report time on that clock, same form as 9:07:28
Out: 11:20:53
